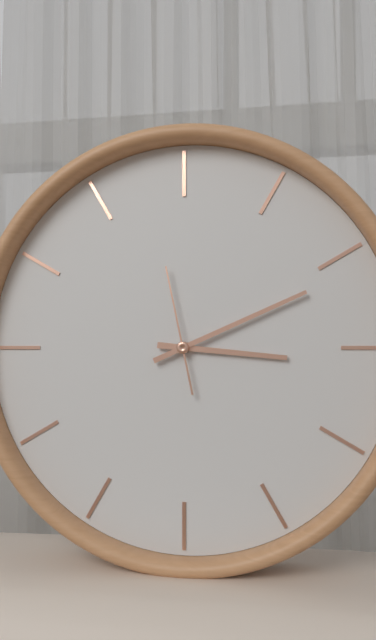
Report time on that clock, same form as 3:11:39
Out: 3:11:58
